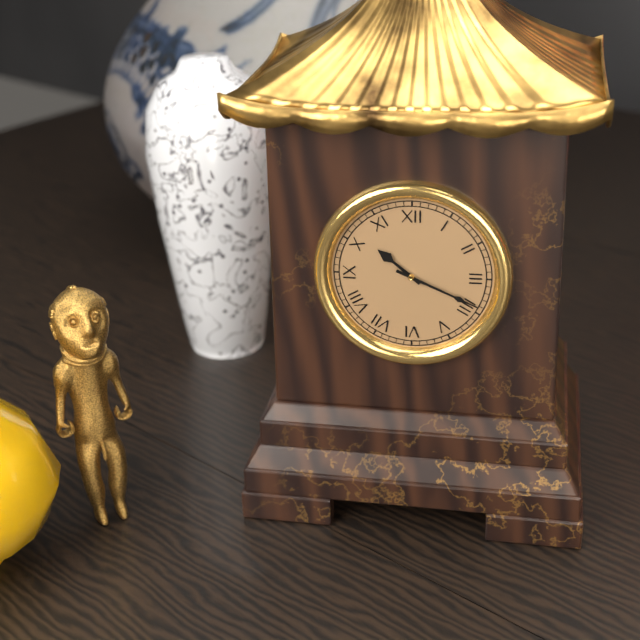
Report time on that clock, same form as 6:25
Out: 10:19
